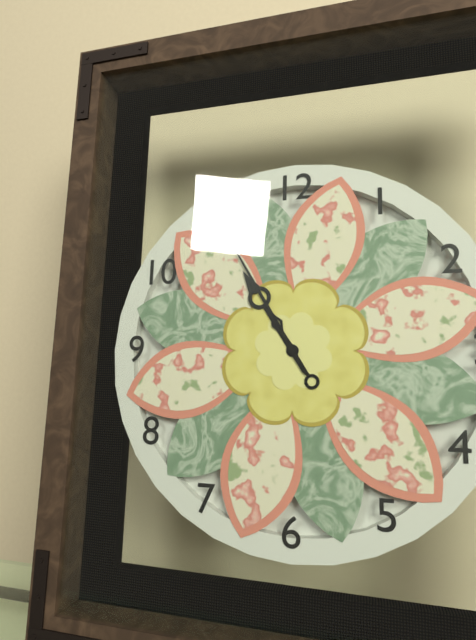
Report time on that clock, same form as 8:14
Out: 10:55
